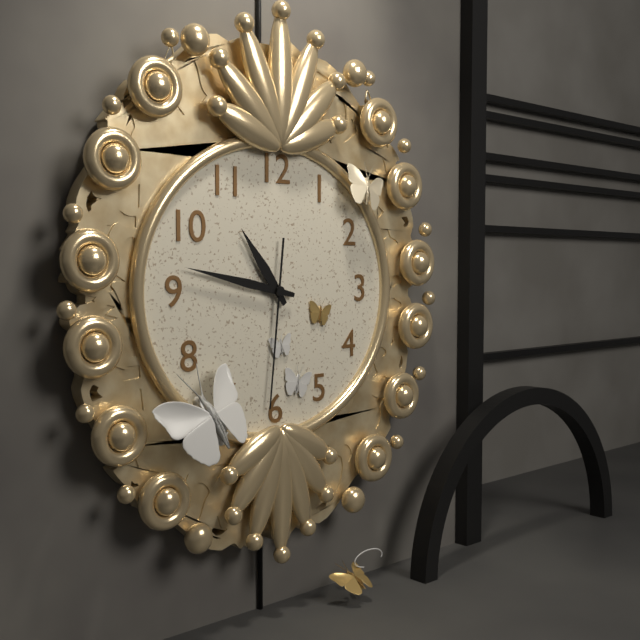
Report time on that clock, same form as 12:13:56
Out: 10:47:31
